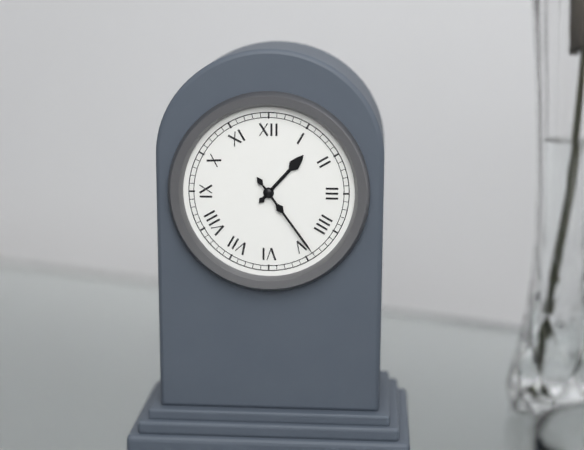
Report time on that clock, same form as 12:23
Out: 1:24
